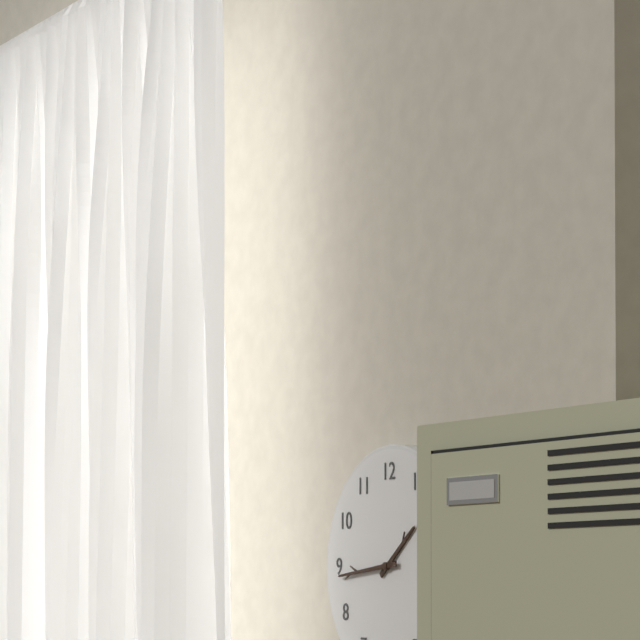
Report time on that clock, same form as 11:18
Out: 1:44
